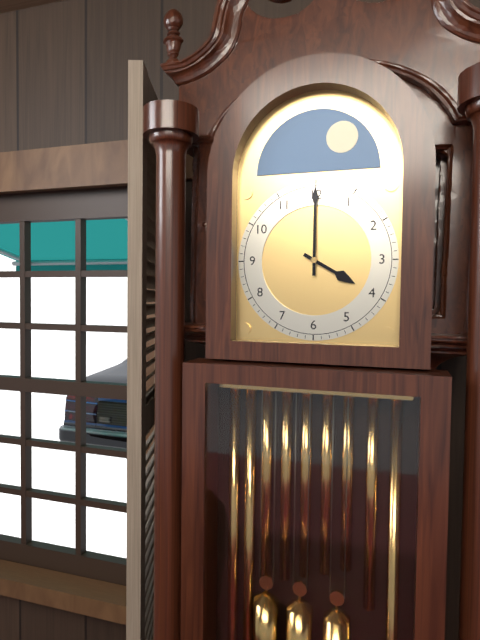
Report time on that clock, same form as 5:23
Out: 4:00
